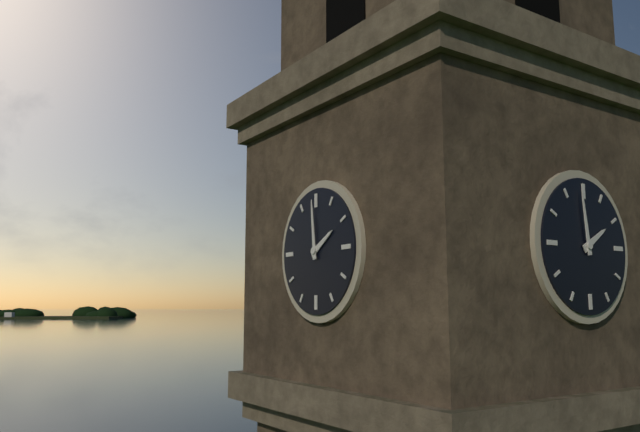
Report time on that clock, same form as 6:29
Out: 1:59
